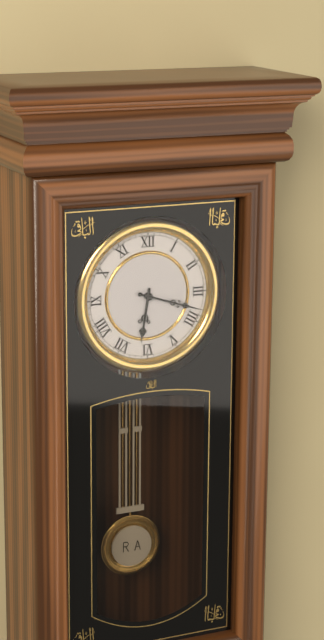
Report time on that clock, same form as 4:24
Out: 6:18
